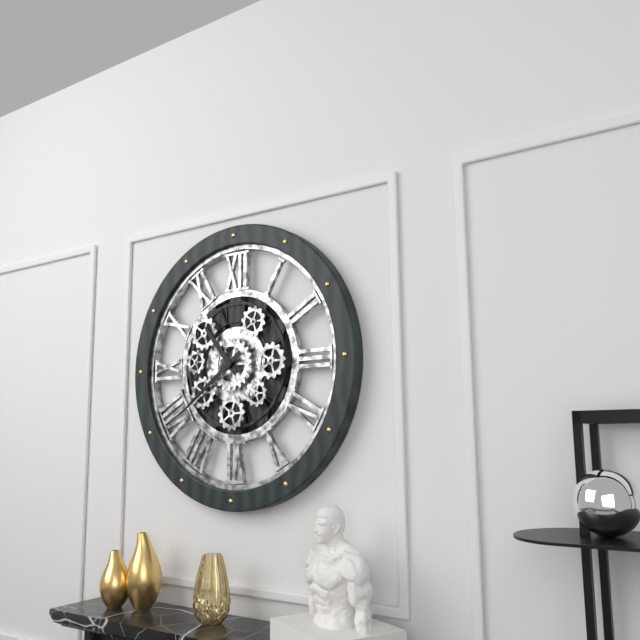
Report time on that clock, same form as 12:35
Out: 10:39
